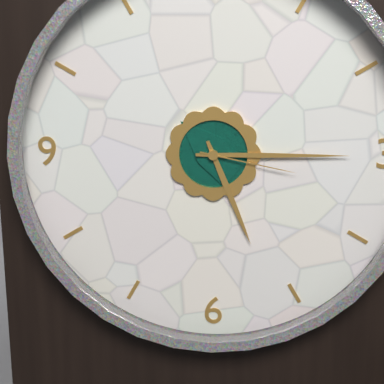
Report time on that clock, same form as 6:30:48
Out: 5:15:17
